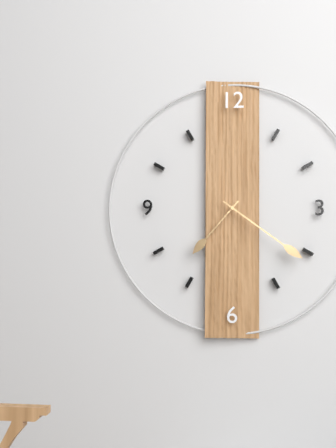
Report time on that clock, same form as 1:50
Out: 7:21
